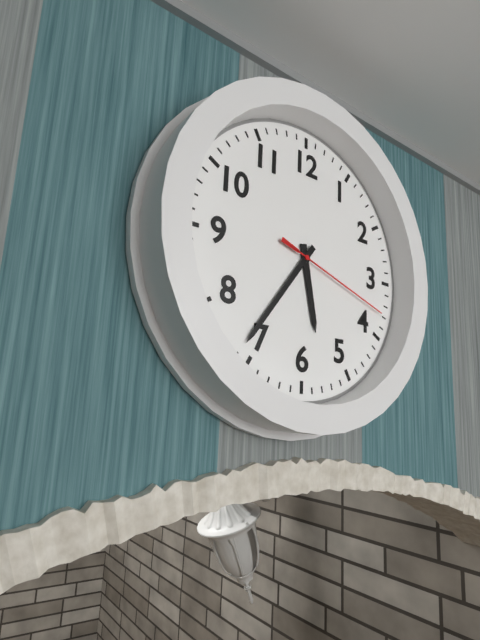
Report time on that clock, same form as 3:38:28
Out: 5:36:18
